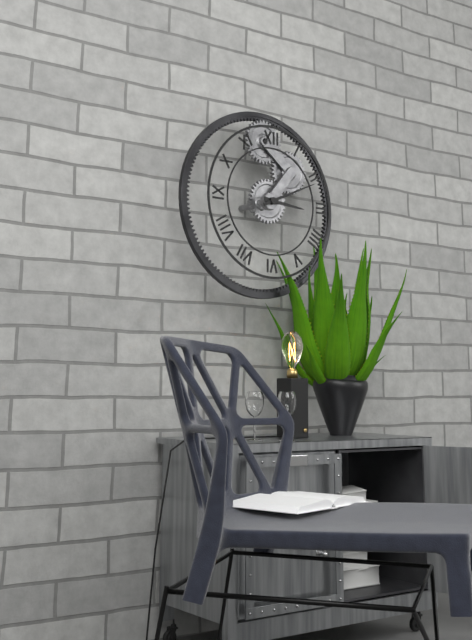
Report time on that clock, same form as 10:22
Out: 3:11
